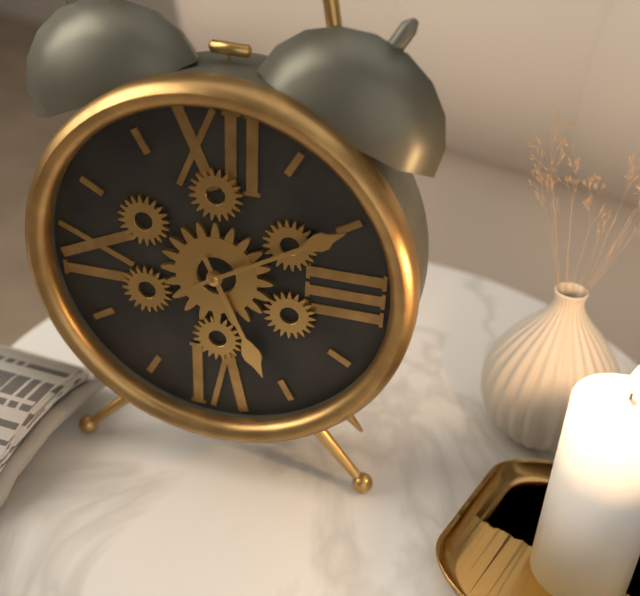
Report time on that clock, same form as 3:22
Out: 5:10
